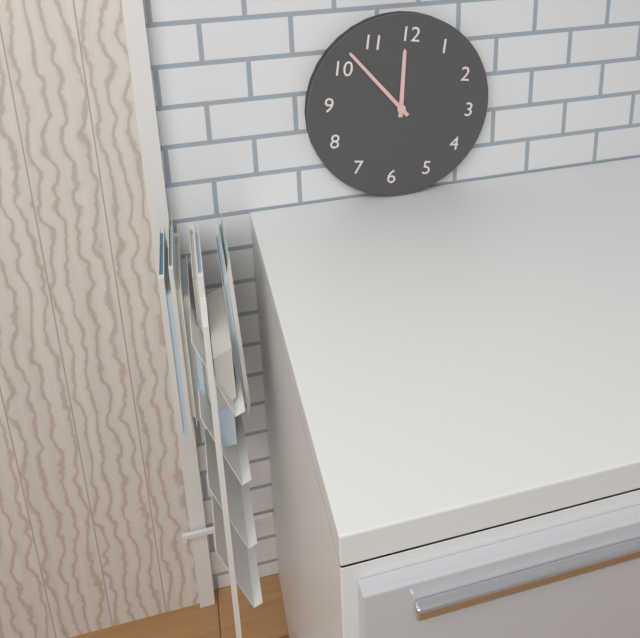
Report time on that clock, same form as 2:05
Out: 11:52
